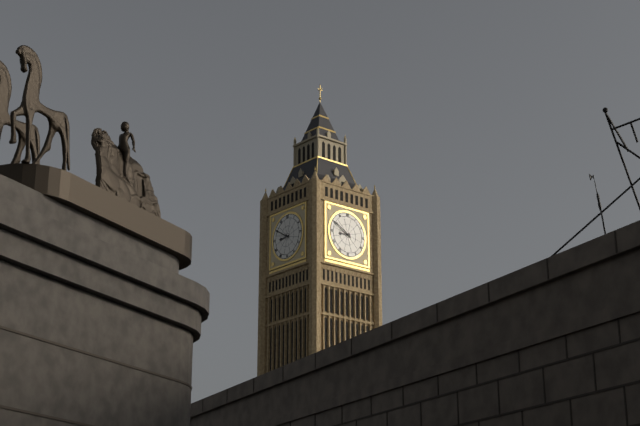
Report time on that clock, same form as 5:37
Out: 8:50
